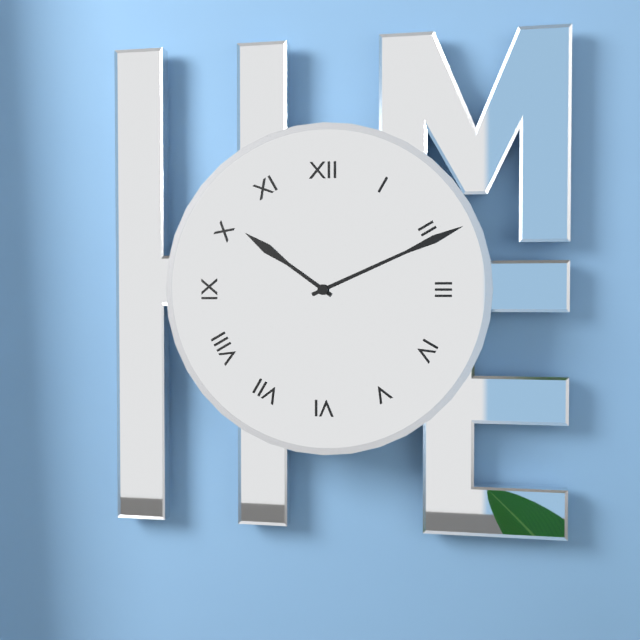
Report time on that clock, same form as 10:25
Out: 10:11
